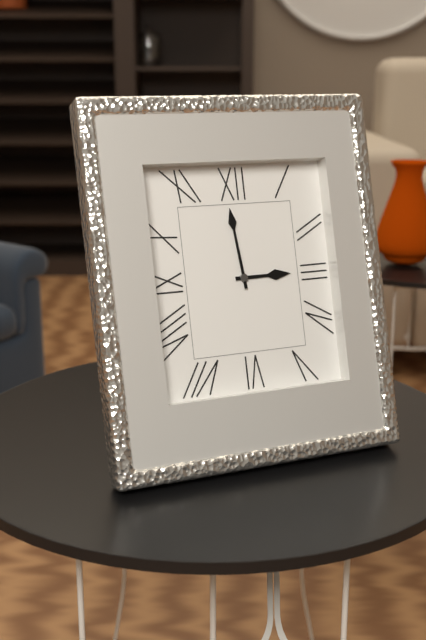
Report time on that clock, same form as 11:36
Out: 2:59
